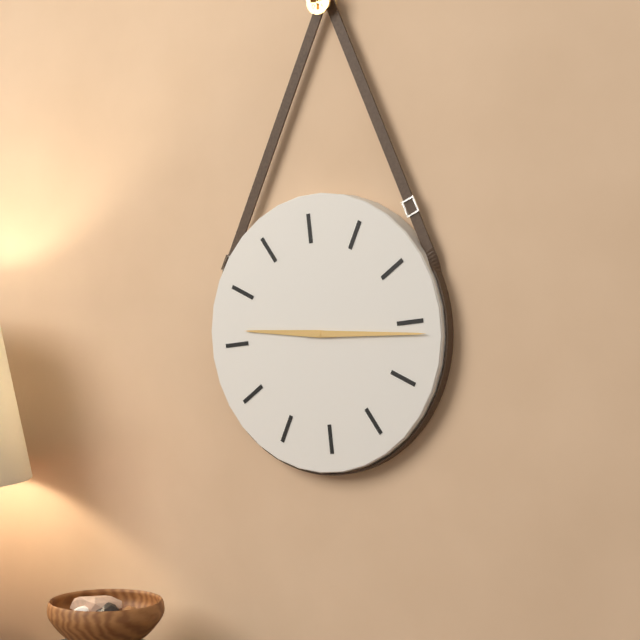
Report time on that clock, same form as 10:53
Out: 9:16
